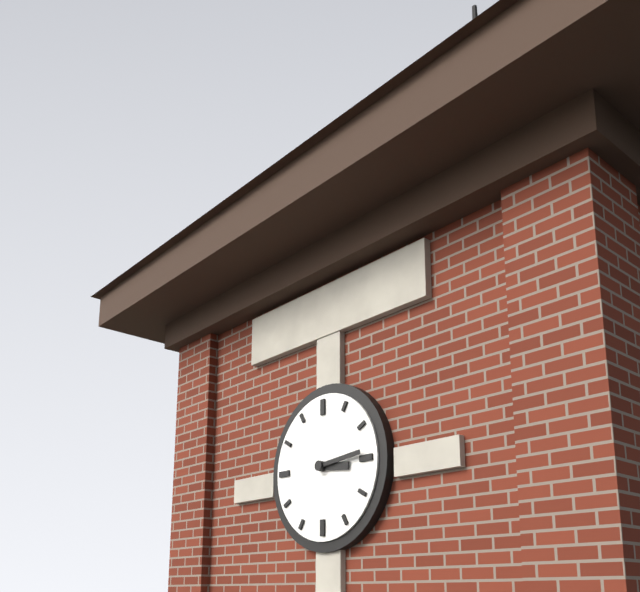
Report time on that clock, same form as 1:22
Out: 3:14
